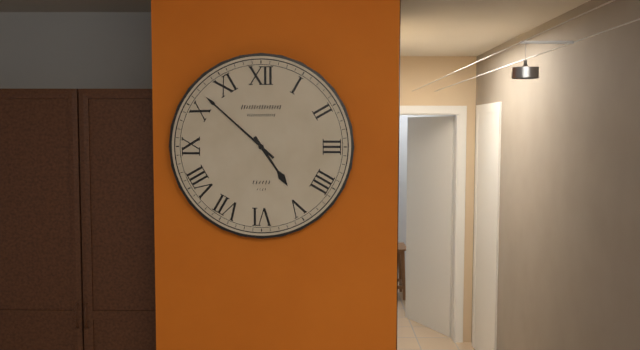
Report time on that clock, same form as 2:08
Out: 4:52
